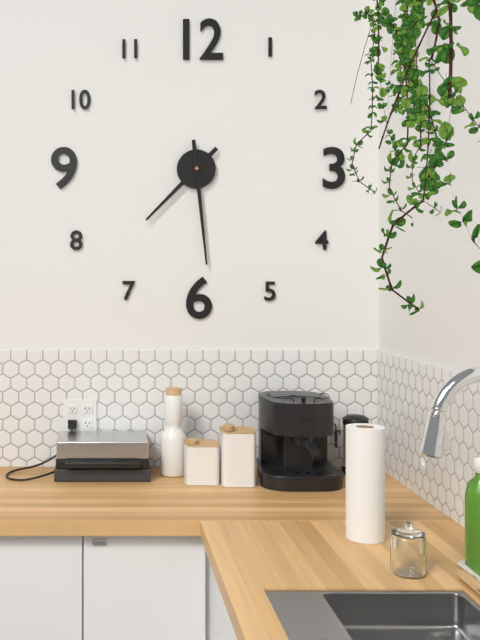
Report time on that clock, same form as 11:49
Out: 7:29
